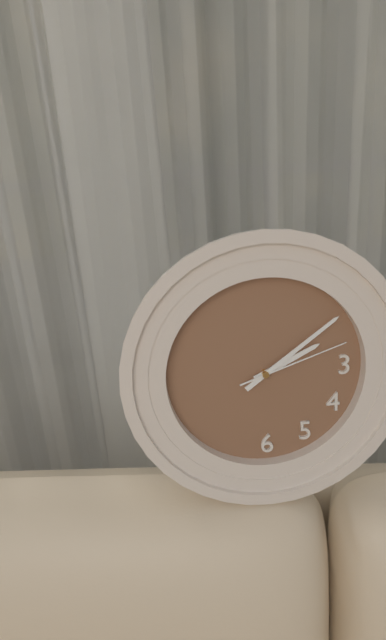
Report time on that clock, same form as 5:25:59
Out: 2:09:12
